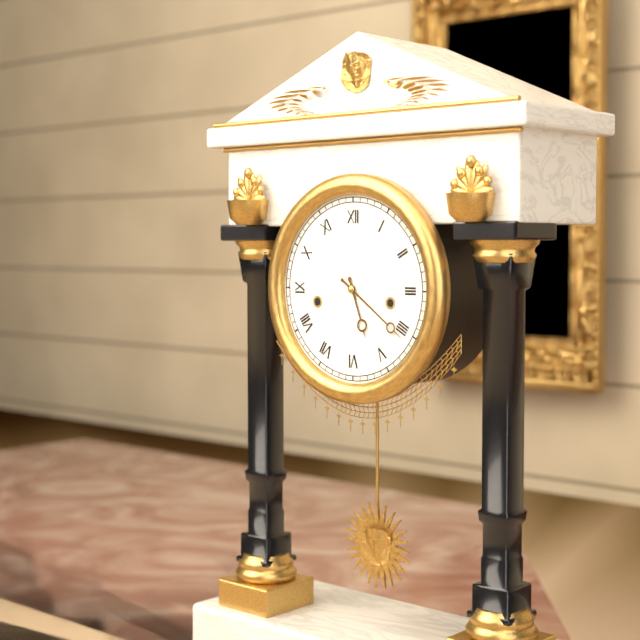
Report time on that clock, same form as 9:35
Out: 5:21
